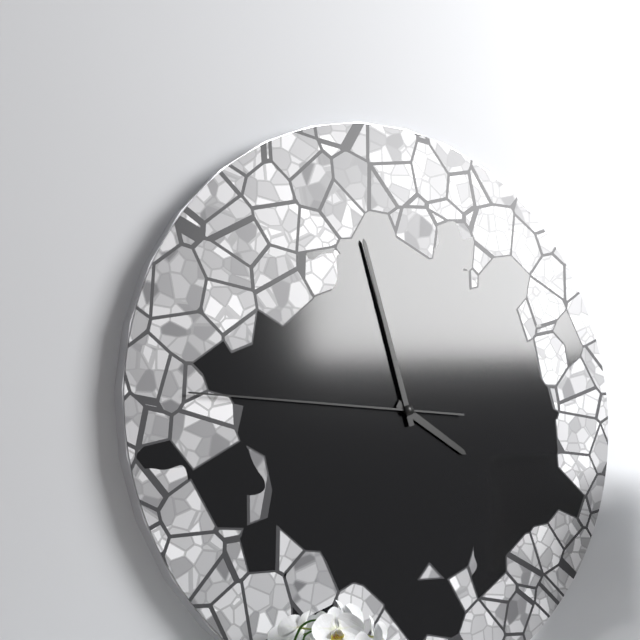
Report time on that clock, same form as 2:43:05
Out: 3:57:45
